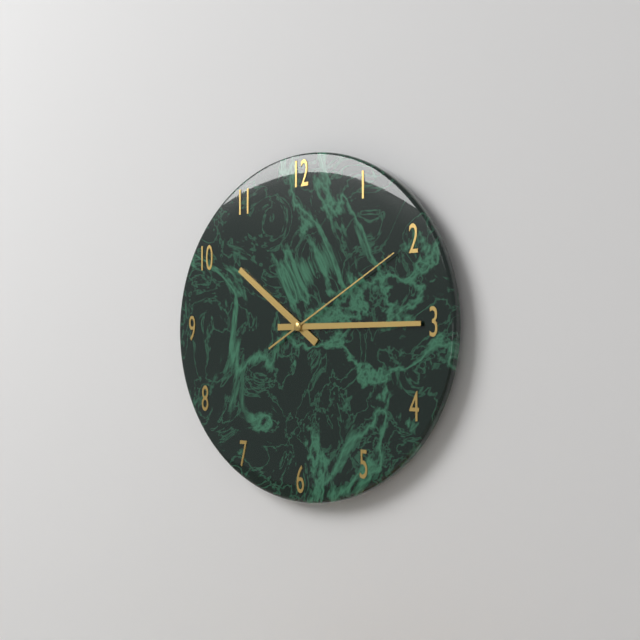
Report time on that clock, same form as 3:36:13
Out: 10:15:10
